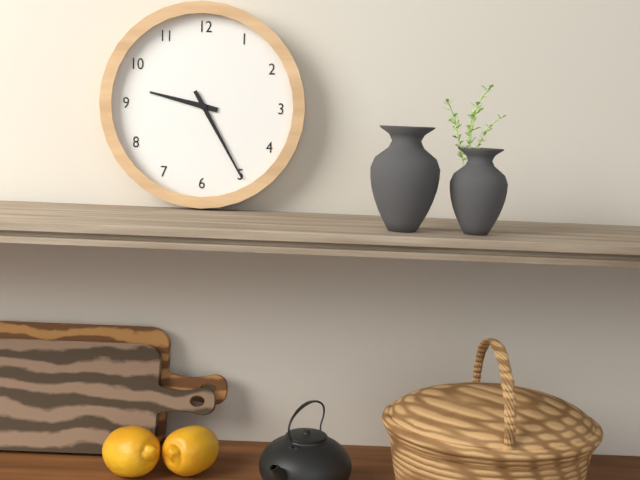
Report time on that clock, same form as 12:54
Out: 9:25
